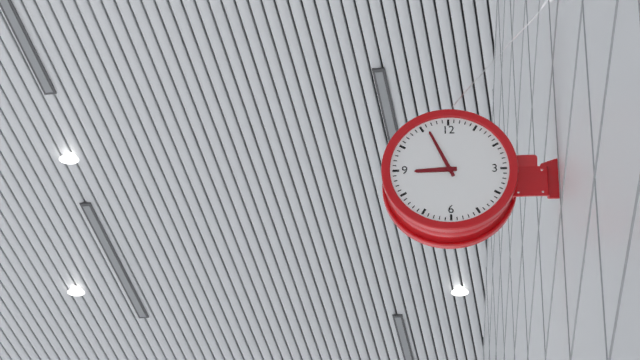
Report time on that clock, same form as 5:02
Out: 8:56
